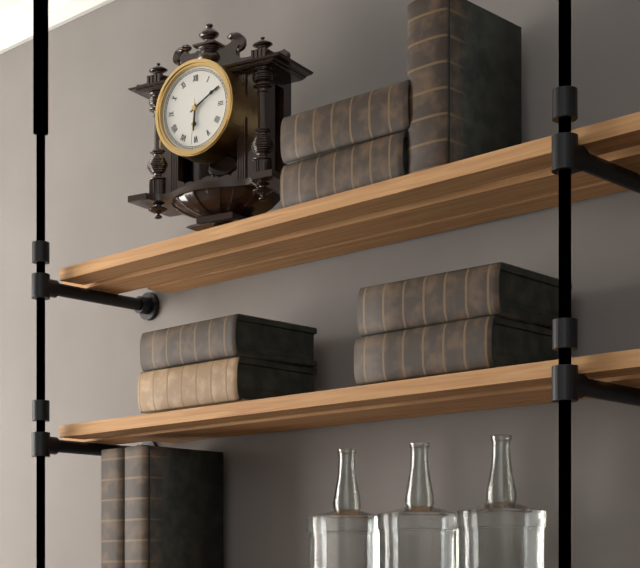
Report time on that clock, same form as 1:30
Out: 6:10
